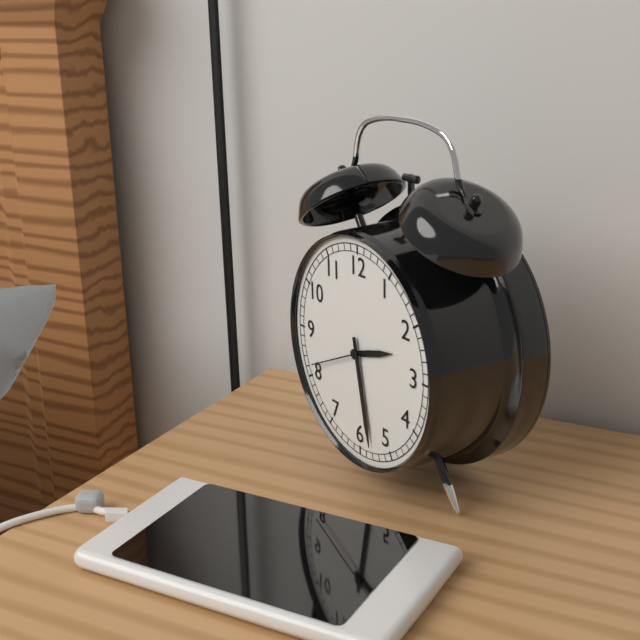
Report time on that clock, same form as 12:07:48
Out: 2:28:41
